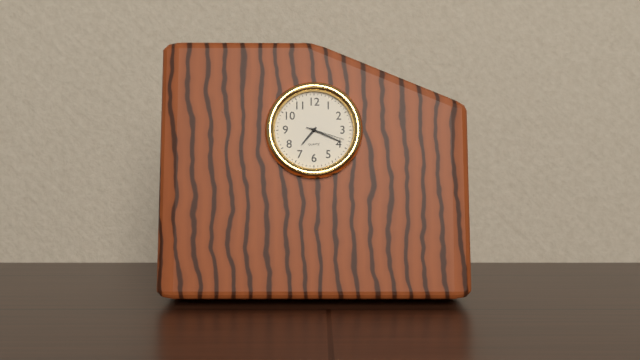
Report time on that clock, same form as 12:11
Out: 7:19
